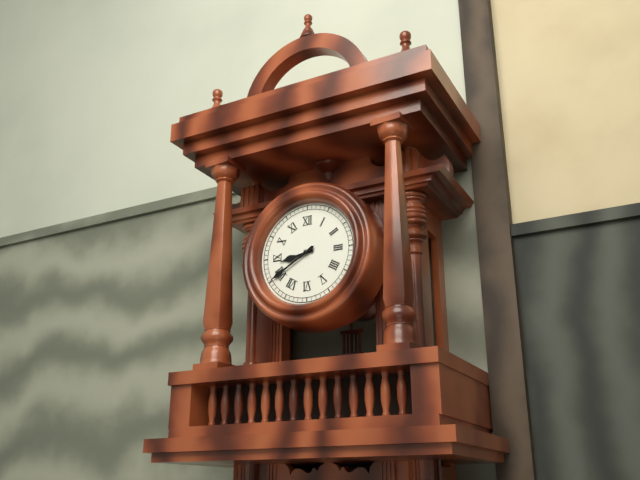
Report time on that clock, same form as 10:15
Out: 8:40
